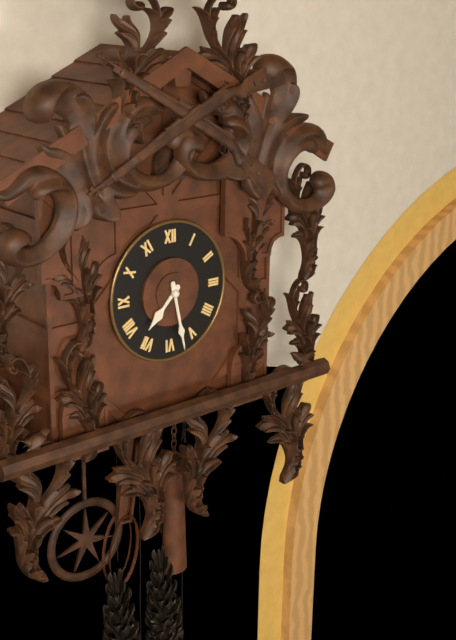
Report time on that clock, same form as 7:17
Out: 7:28
